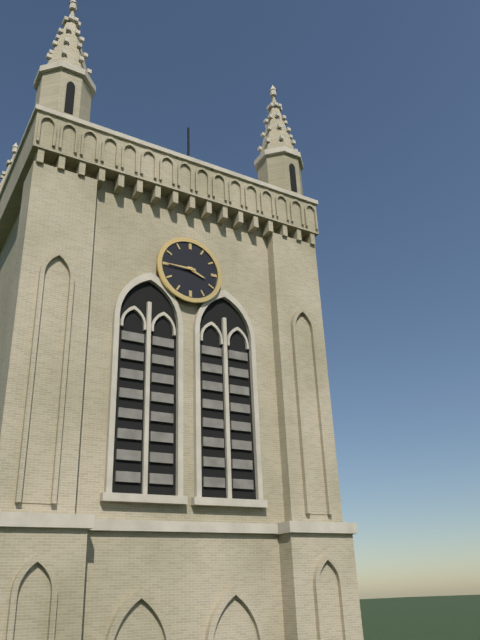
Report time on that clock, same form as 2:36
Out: 3:45
